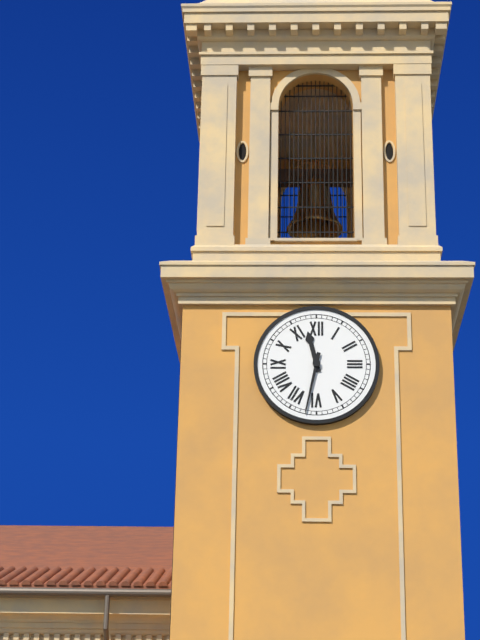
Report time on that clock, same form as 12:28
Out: 11:32
